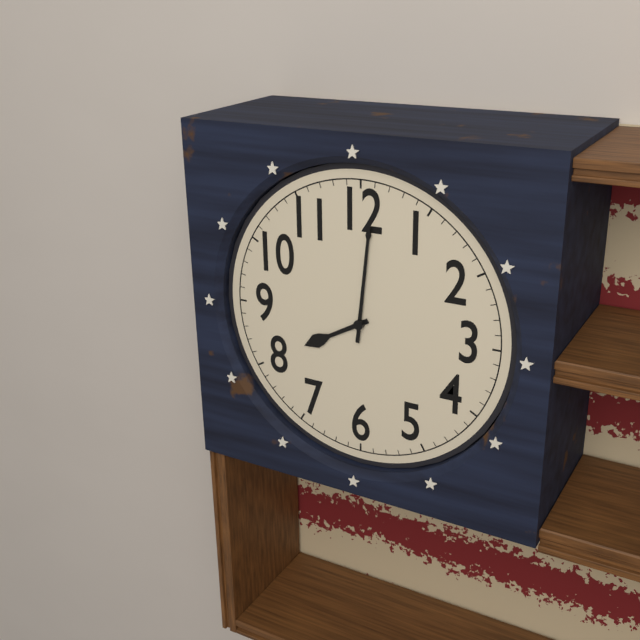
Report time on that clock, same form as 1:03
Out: 8:01
